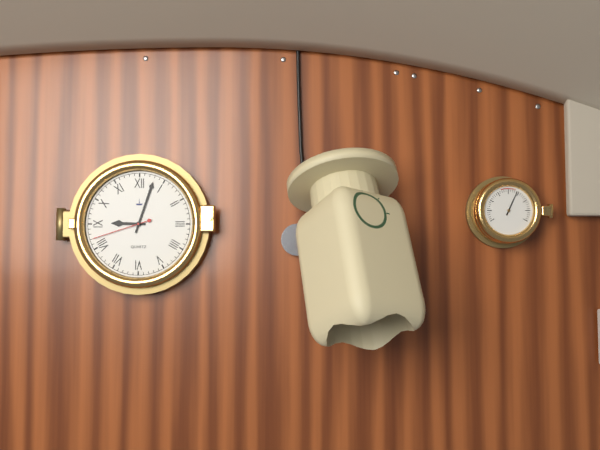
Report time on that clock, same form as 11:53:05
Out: 9:03:42
